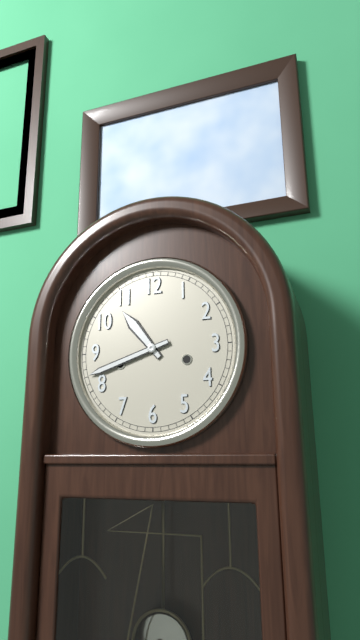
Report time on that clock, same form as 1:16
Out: 10:42
